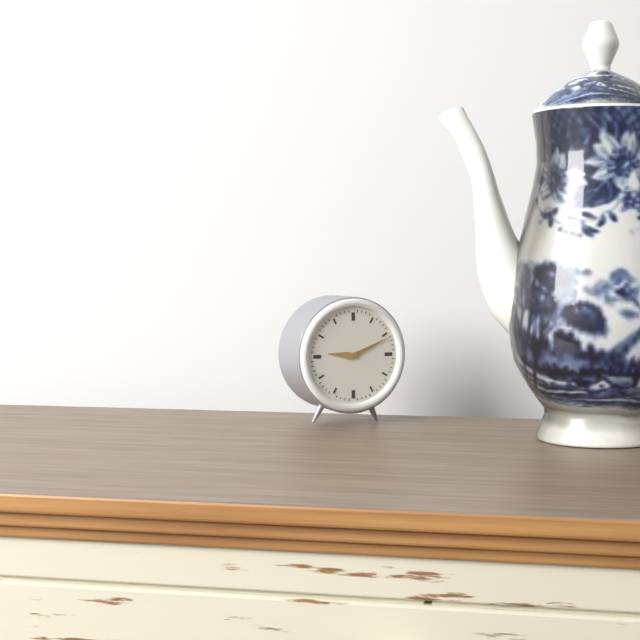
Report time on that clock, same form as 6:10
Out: 9:11
